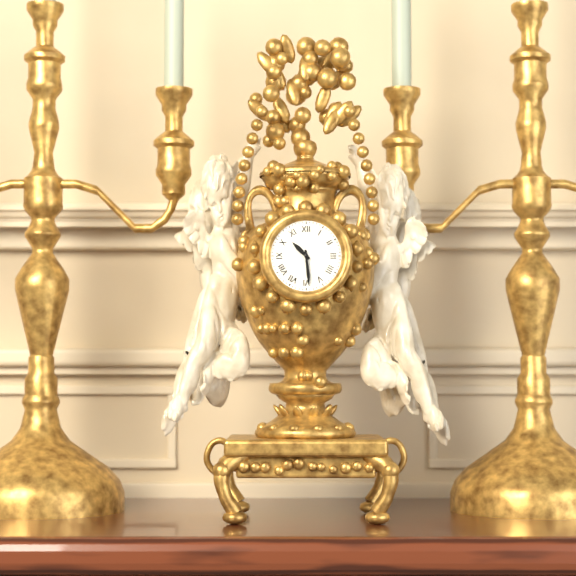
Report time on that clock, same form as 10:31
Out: 10:29
